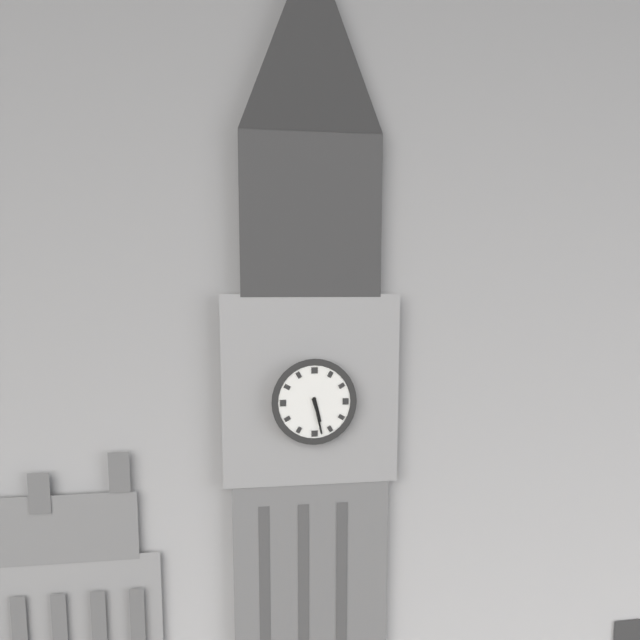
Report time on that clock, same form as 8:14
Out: 5:28
